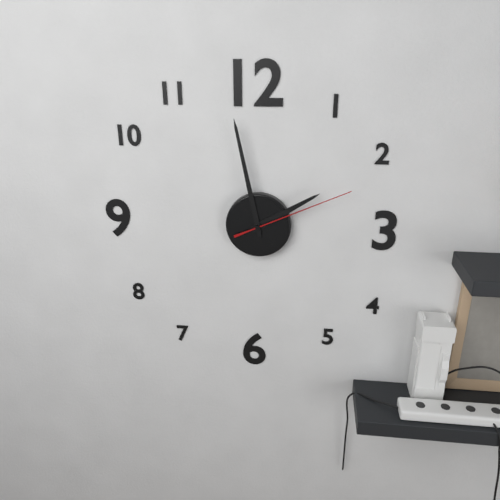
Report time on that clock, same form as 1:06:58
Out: 1:58:11
